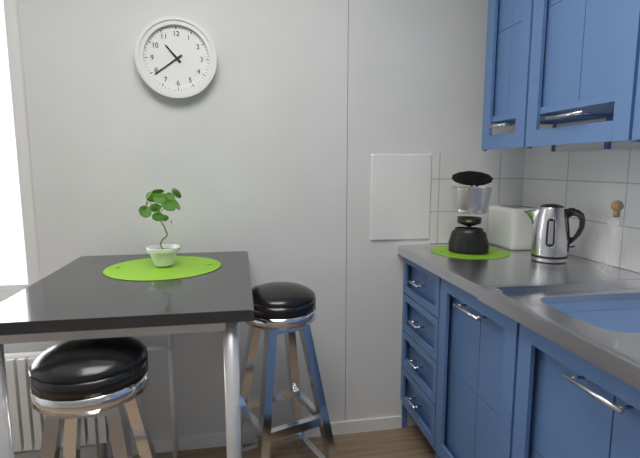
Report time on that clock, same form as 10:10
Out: 10:39
